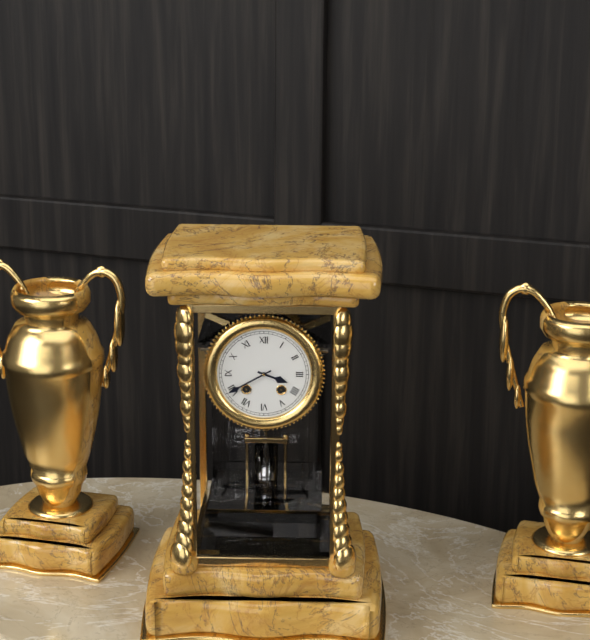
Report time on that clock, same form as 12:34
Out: 3:40
